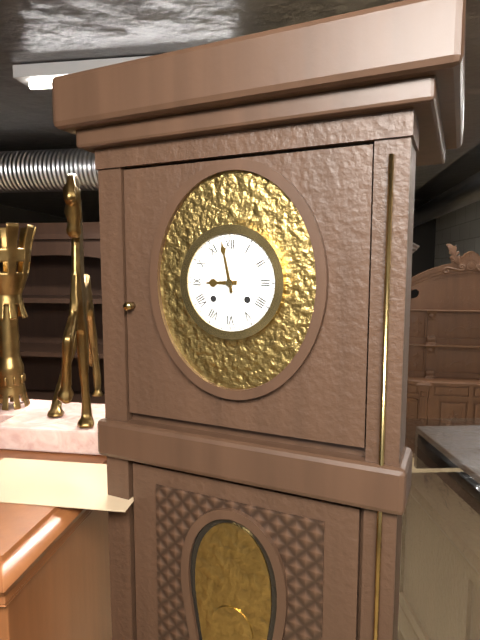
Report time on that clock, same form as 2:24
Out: 8:58
